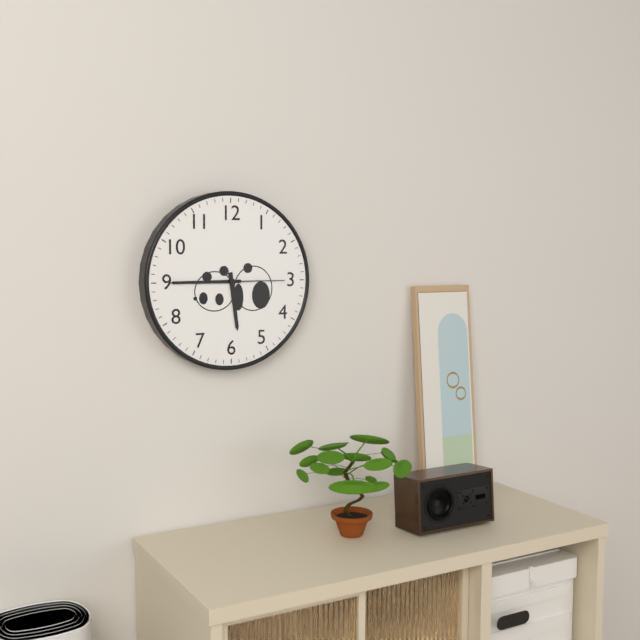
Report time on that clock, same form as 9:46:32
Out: 5:45:15
